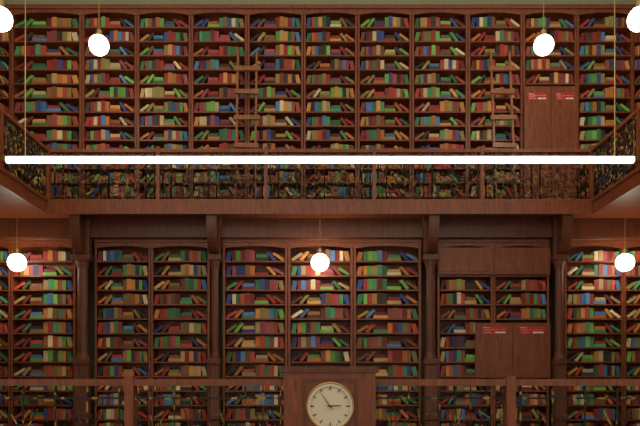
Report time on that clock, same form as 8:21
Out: 2:54
